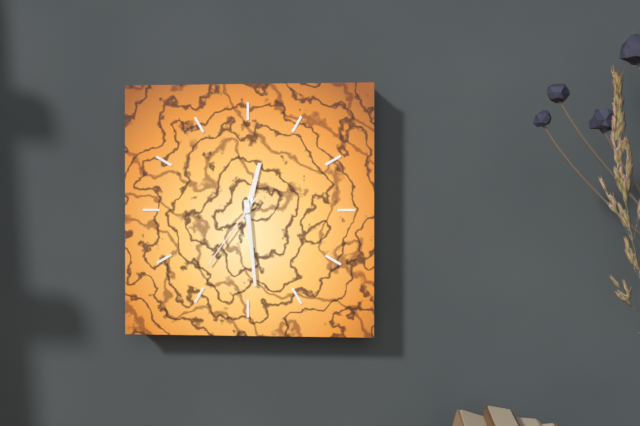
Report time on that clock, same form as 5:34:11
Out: 12:29:36
